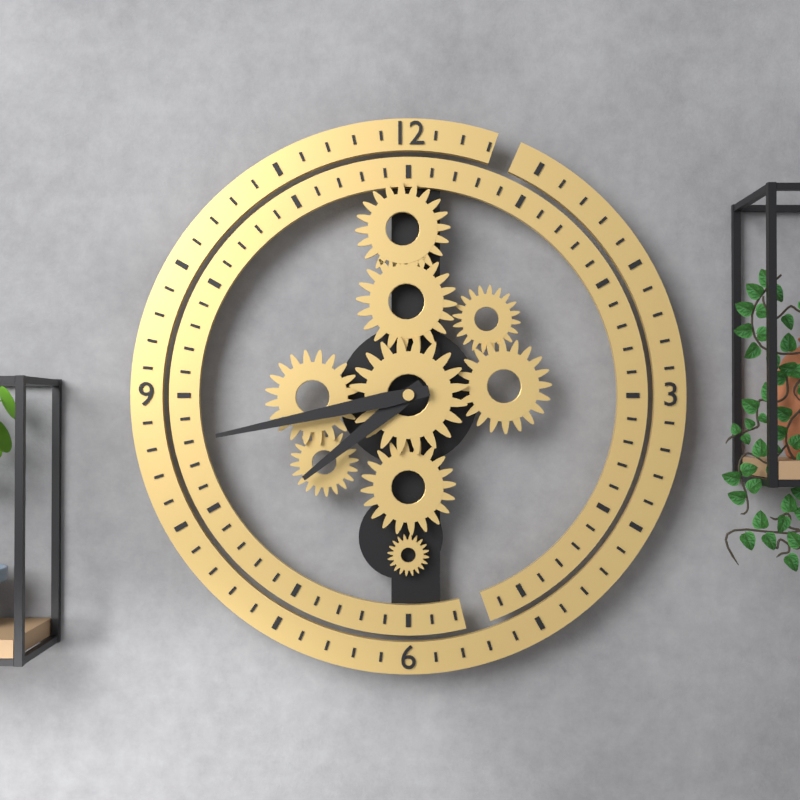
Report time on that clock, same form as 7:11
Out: 7:43
